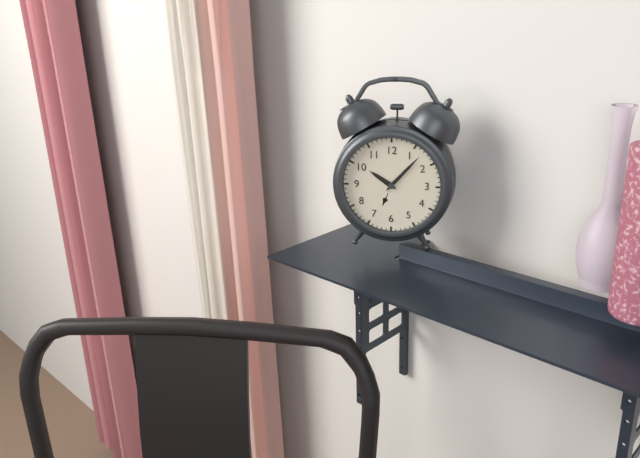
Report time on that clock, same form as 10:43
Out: 10:07
